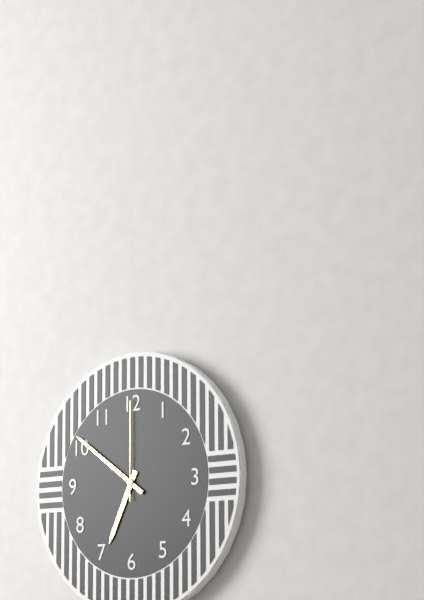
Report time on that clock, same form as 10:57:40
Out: 6:51:00
